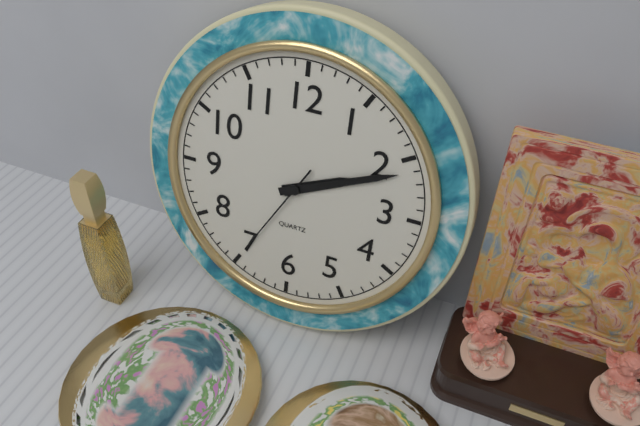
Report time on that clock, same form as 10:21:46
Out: 2:11:35
